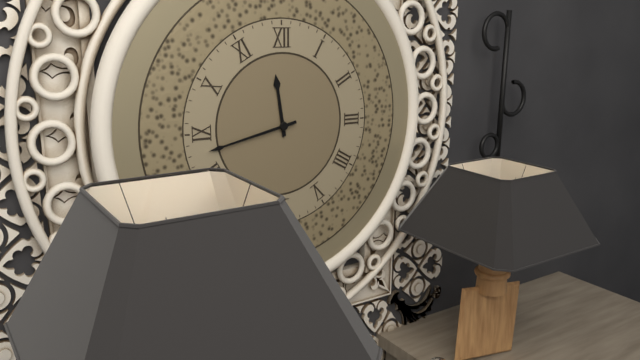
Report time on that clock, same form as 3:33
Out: 11:43
